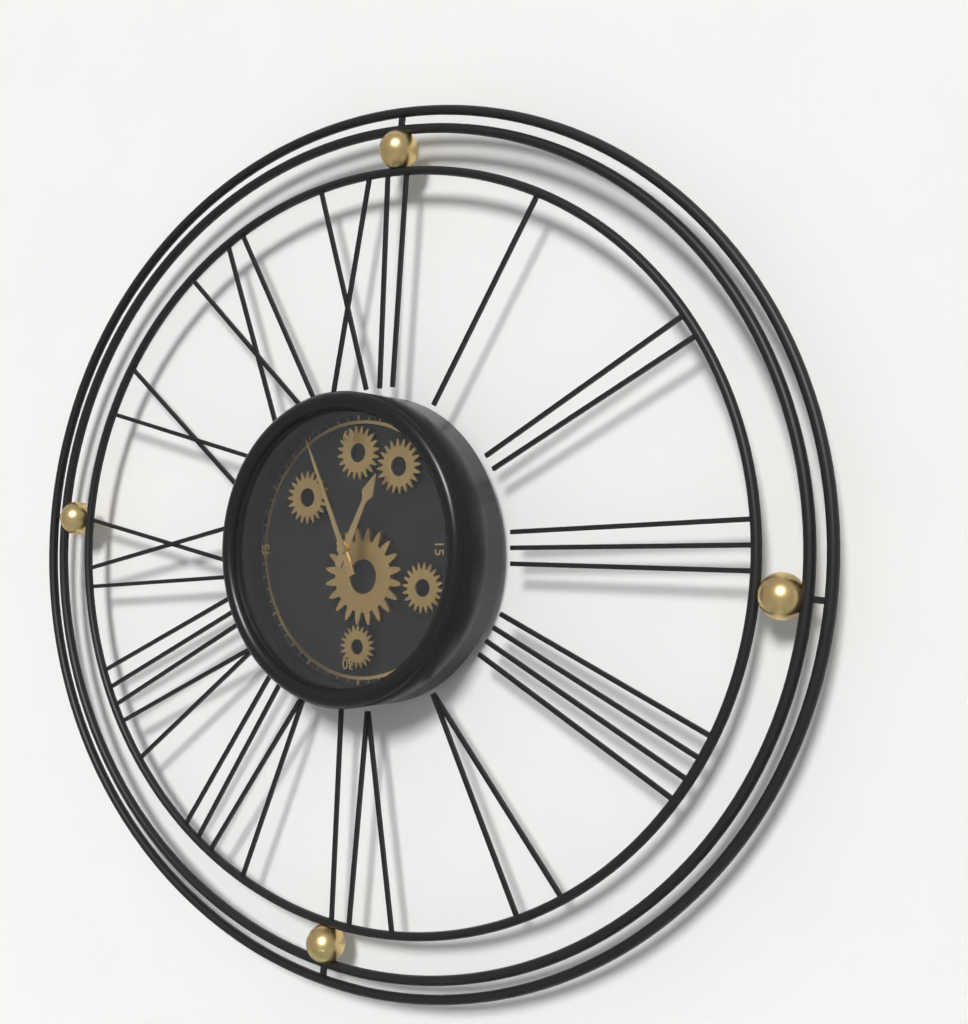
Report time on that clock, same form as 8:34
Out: 12:56
